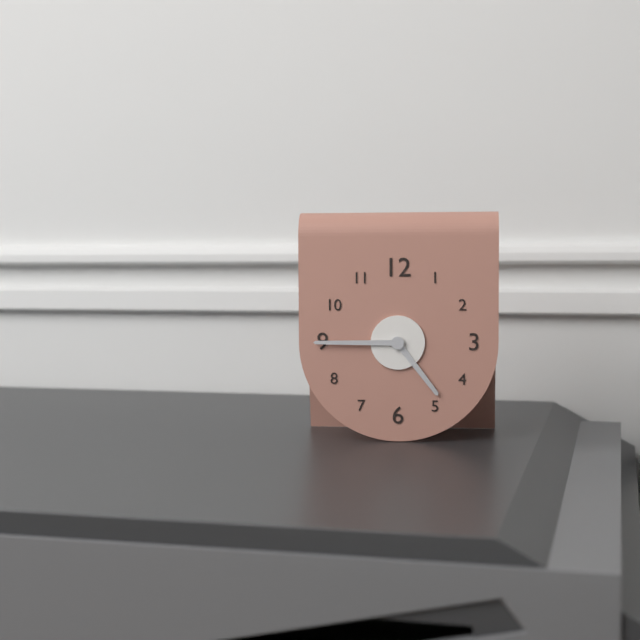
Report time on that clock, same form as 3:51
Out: 4:45
